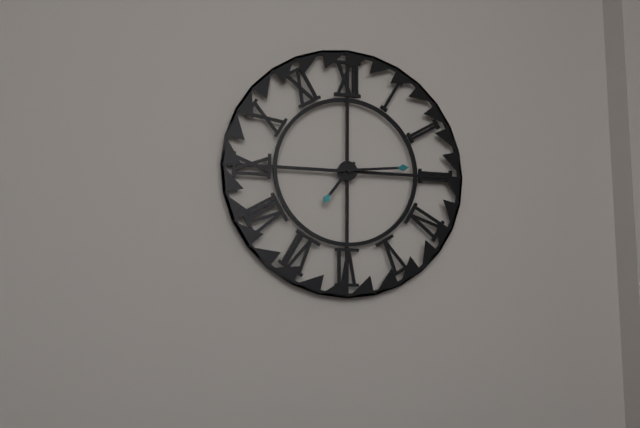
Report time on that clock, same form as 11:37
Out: 7:14
